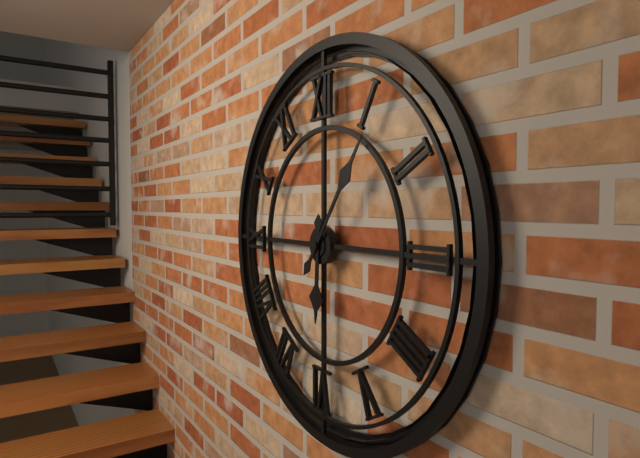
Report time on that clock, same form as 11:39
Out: 6:06
